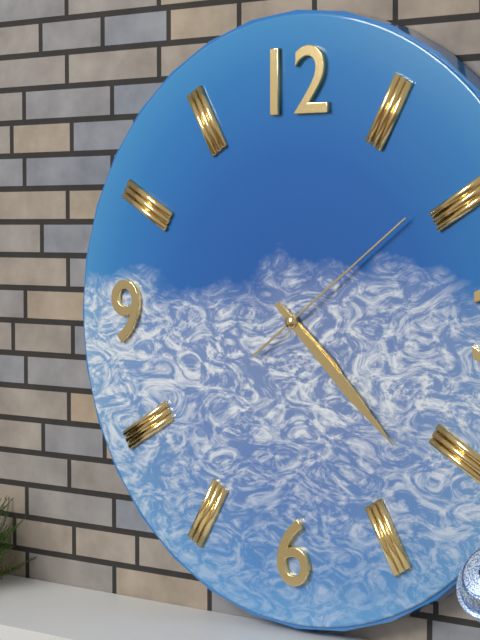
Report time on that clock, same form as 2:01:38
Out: 4:22:09
